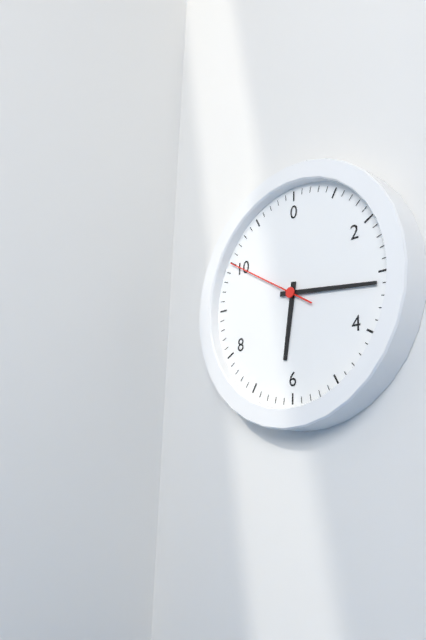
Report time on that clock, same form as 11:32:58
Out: 6:16:50
